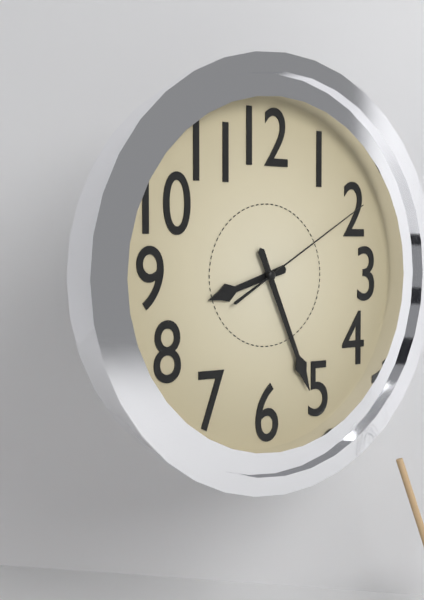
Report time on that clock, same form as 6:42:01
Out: 8:26:10
